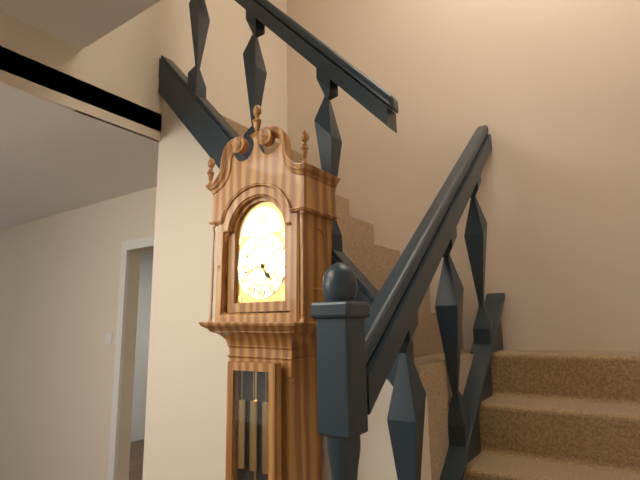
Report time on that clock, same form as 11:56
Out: 4:42
